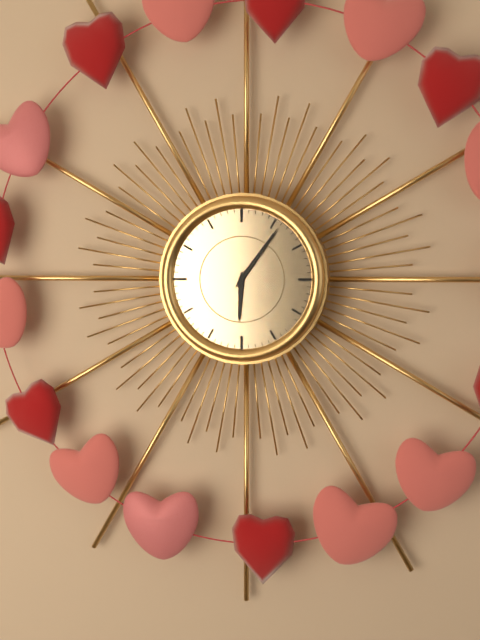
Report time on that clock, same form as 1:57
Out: 6:06
